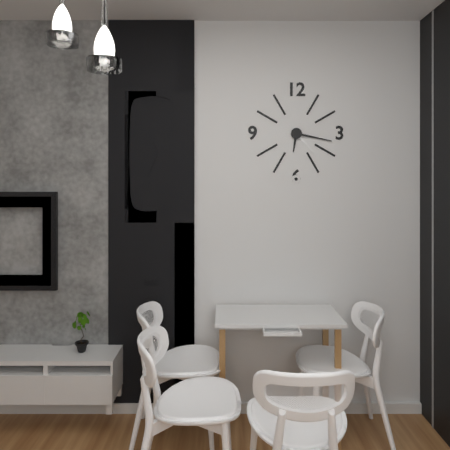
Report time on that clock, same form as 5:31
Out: 6:17
